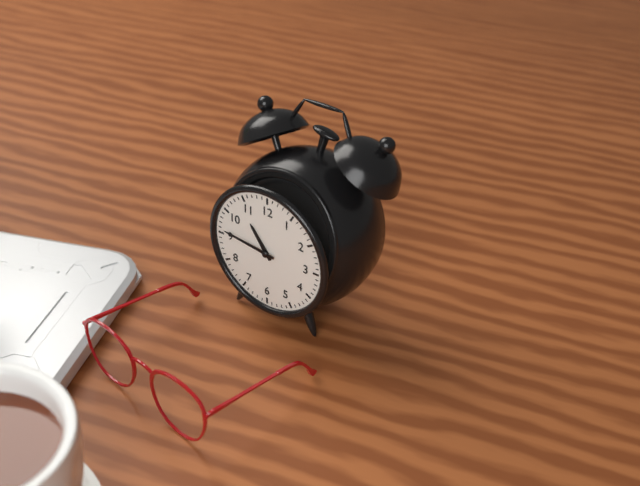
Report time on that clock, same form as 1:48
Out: 10:46
